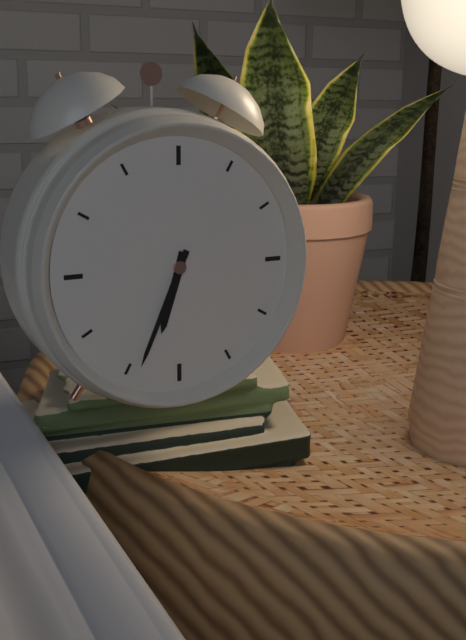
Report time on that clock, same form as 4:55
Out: 6:34
